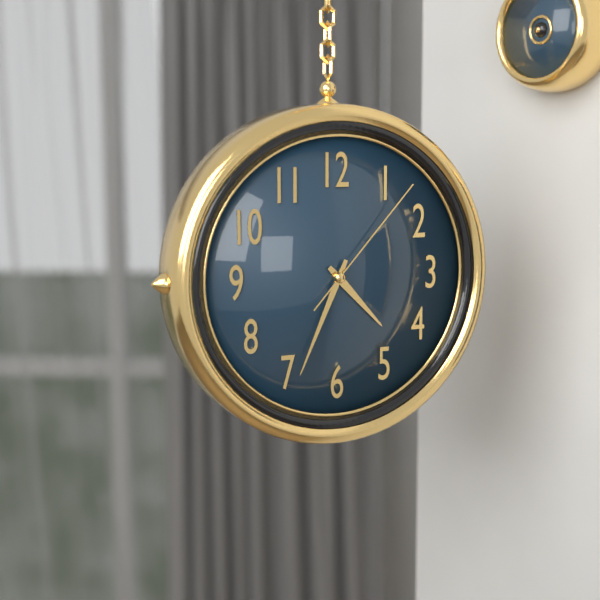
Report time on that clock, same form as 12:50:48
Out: 4:34:07
